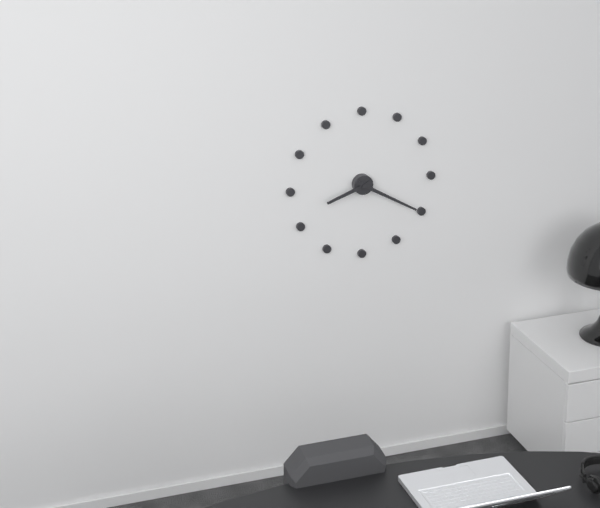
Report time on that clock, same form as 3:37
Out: 8:20
